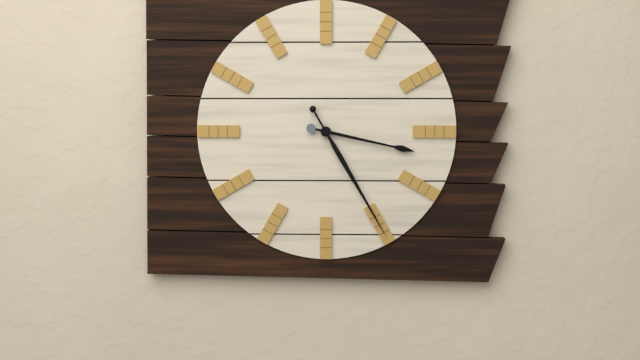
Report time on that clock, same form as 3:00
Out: 3:25
